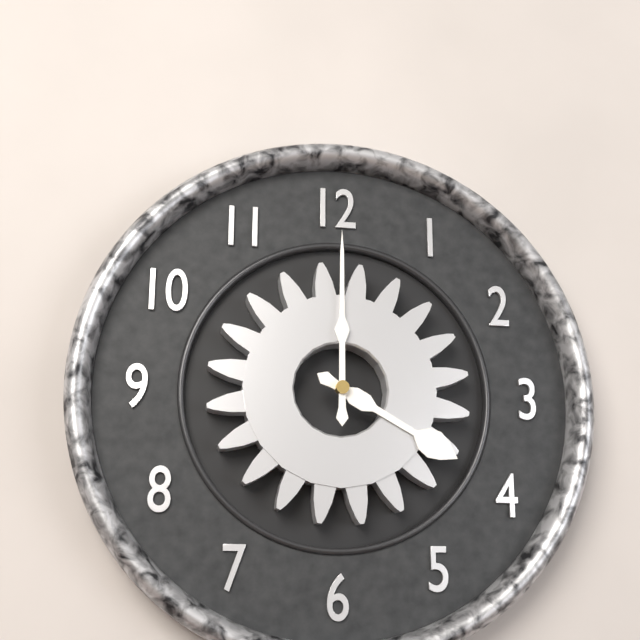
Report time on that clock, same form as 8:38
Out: 4:00
